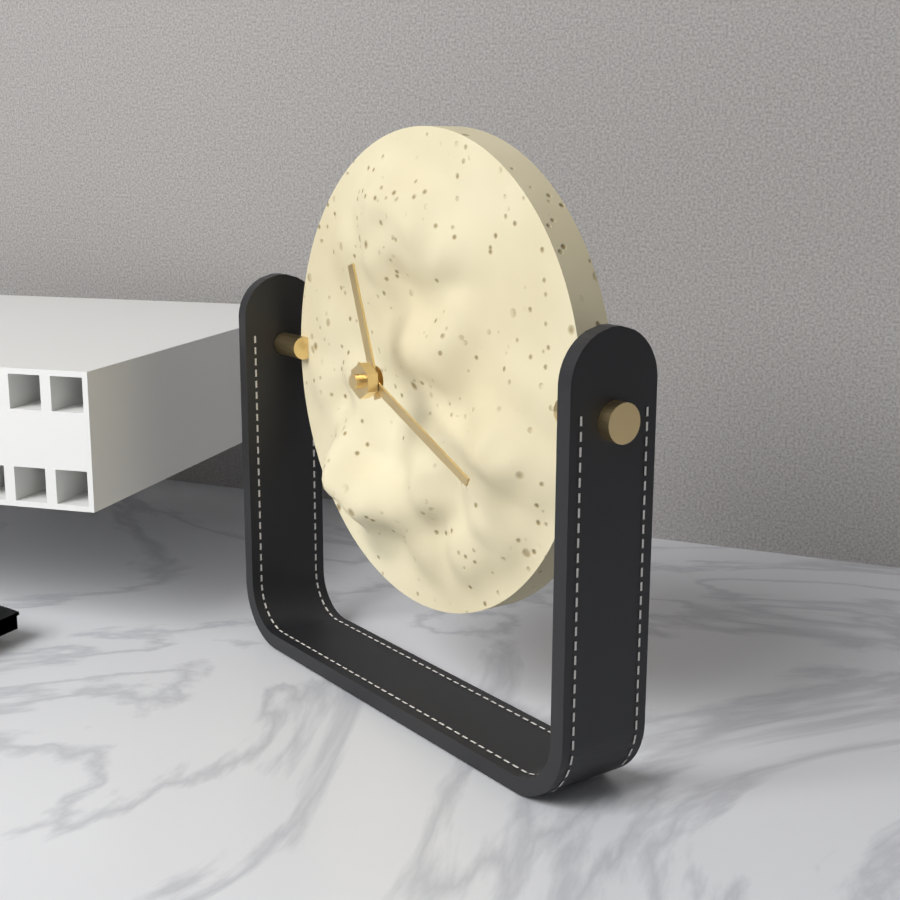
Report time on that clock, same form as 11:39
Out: 11:19
